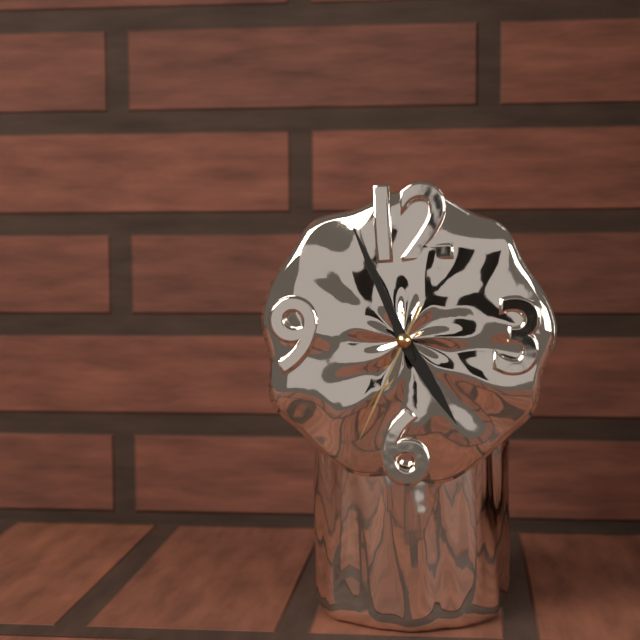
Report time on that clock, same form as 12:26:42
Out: 4:56:34
